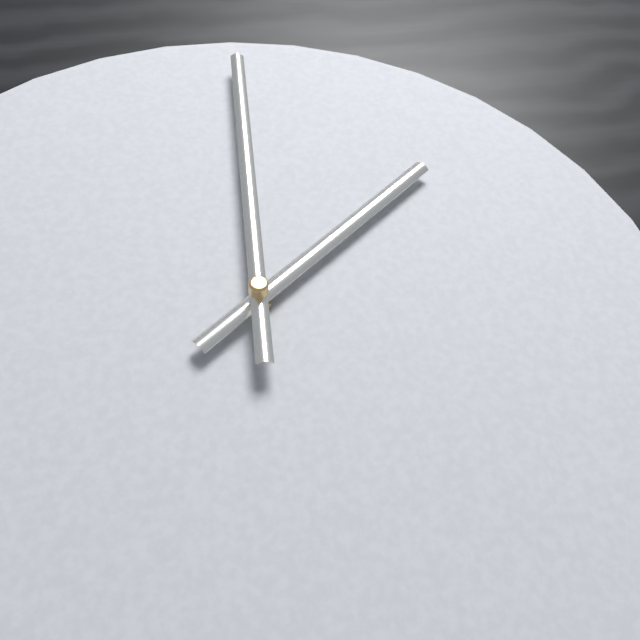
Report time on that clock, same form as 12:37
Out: 2:02
